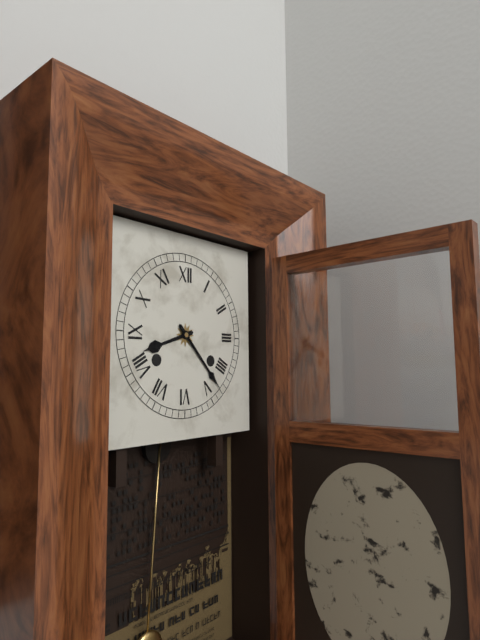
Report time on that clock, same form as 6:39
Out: 8:23
